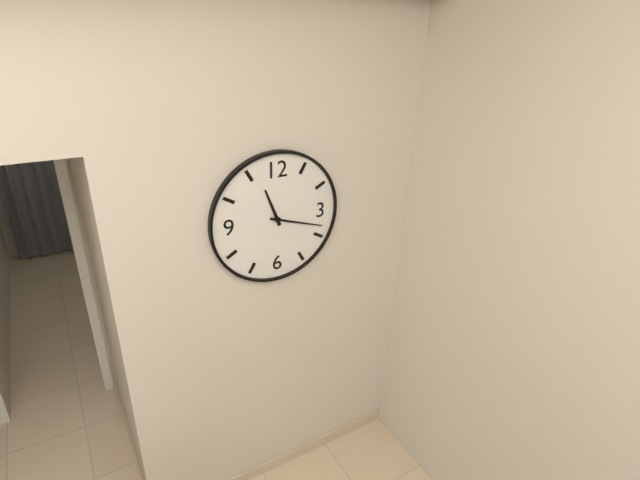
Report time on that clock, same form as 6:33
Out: 11:18
